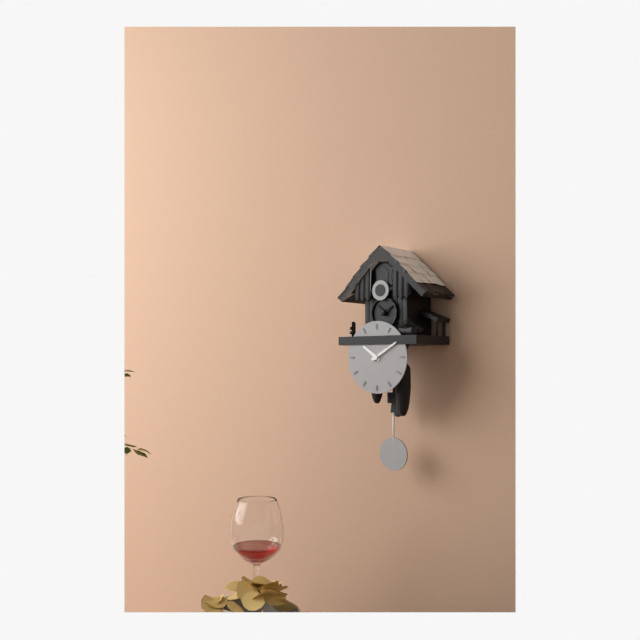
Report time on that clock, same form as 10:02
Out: 10:10
